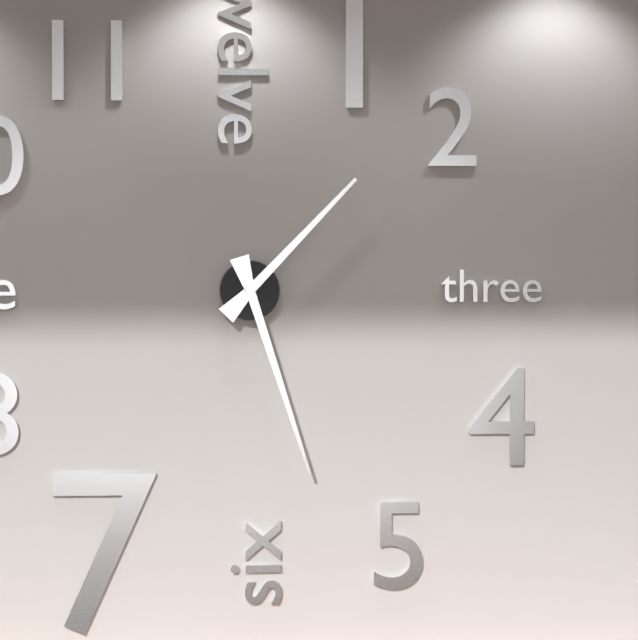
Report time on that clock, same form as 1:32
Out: 1:27
